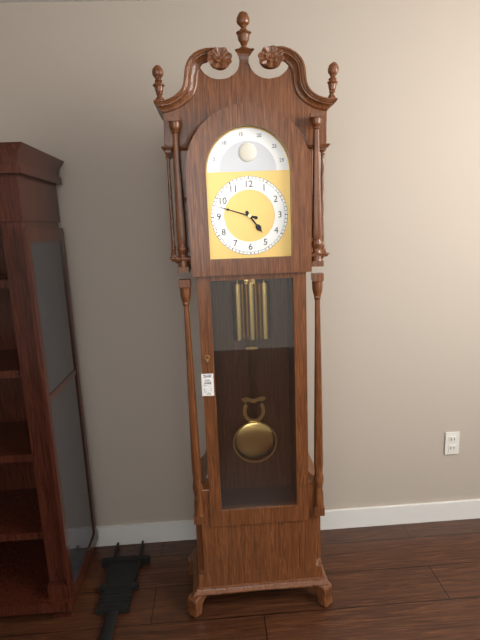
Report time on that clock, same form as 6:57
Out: 4:48
